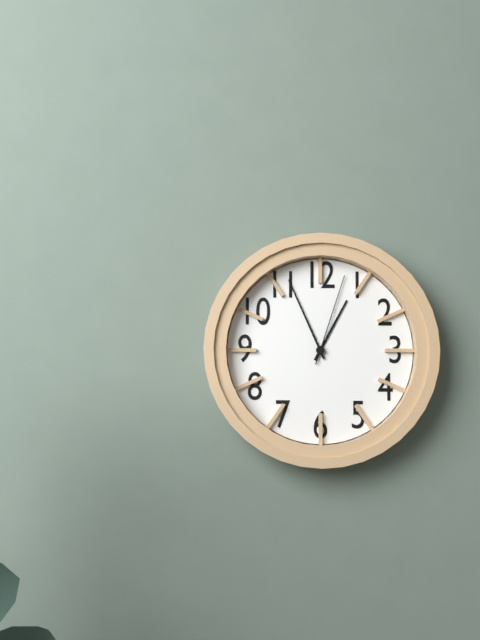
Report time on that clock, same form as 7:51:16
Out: 12:56:03
